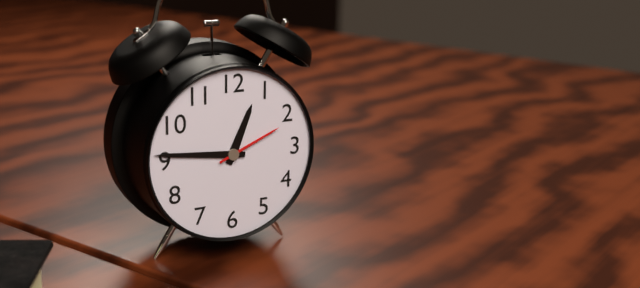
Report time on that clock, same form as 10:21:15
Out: 12:46:11
